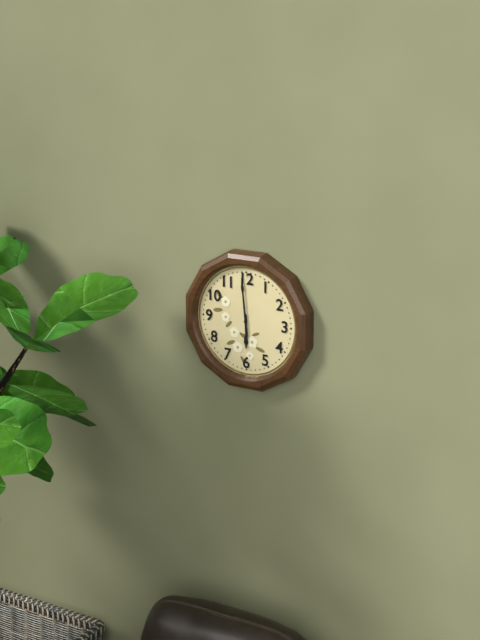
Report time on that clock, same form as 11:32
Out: 5:59
